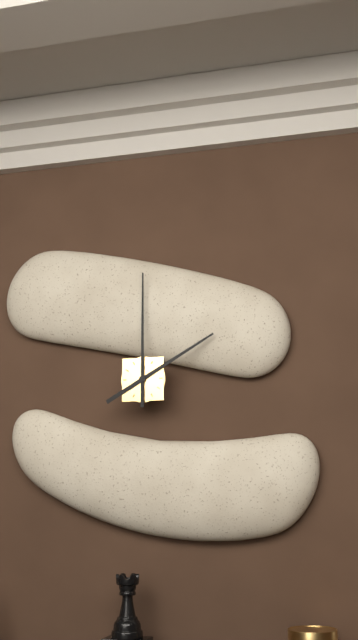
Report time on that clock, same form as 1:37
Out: 2:00
